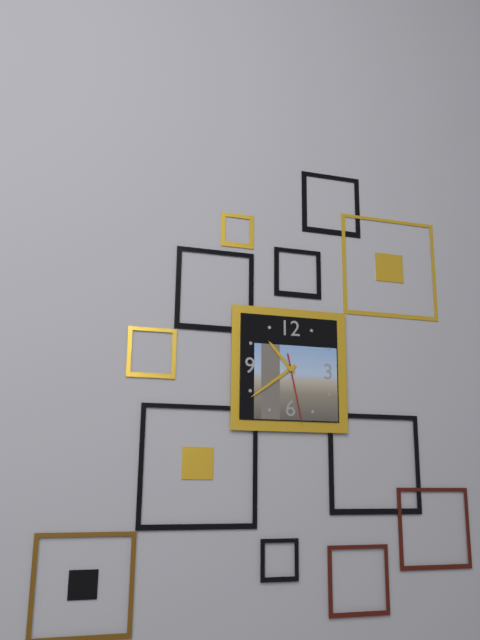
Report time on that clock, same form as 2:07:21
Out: 10:39:28
